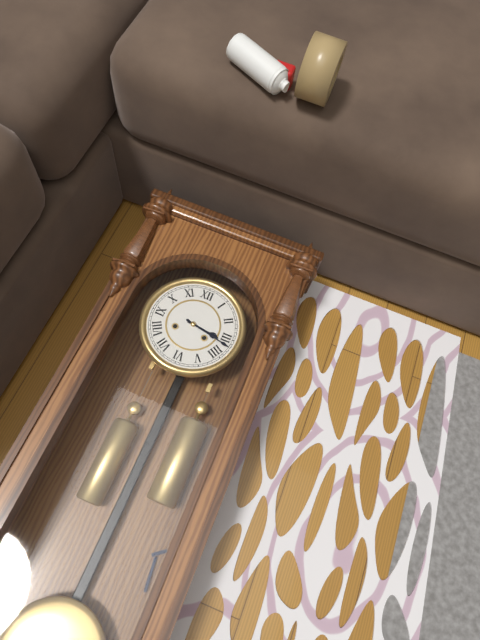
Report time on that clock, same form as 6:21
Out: 3:17
